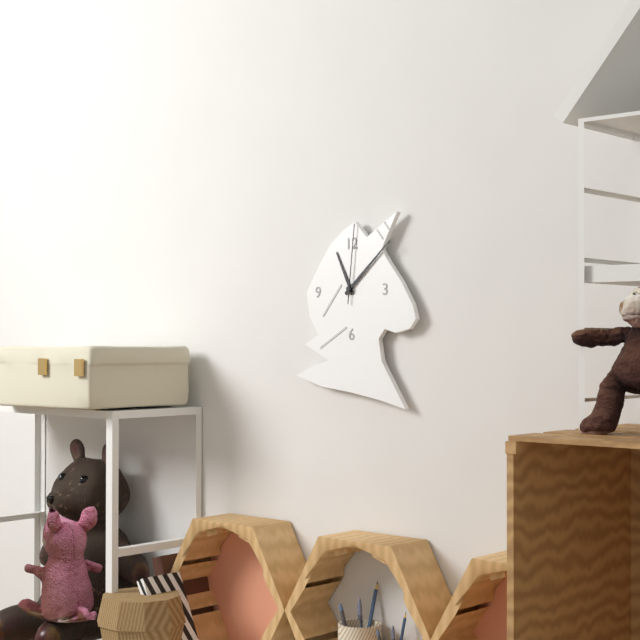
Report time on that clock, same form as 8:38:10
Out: 11:08:01
